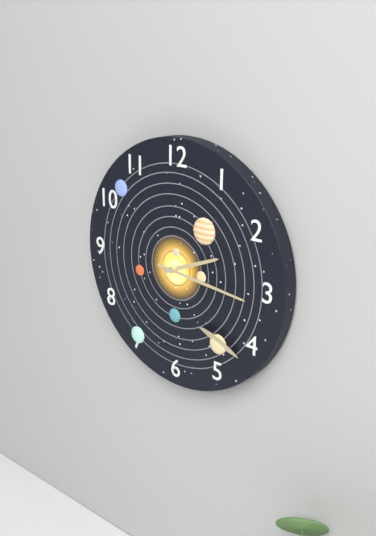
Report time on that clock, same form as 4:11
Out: 2:16
